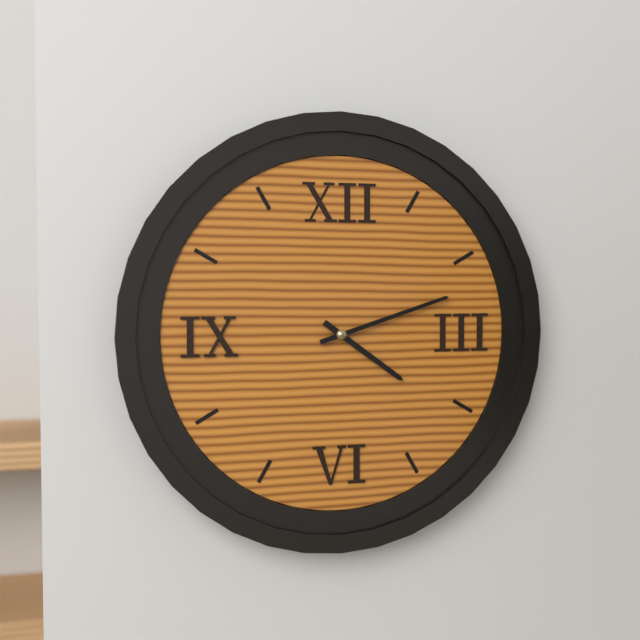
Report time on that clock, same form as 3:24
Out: 4:12
